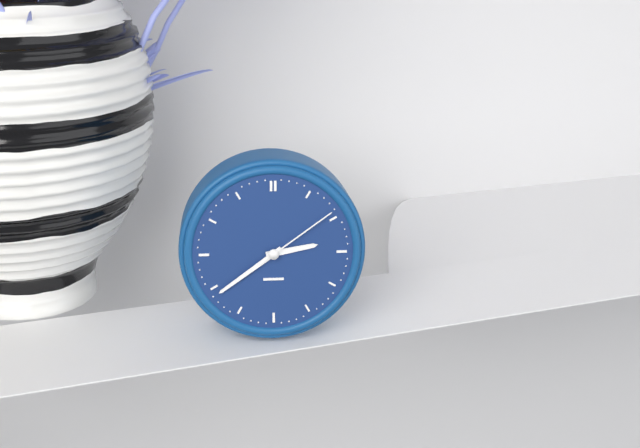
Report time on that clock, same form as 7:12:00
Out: 2:39:09
